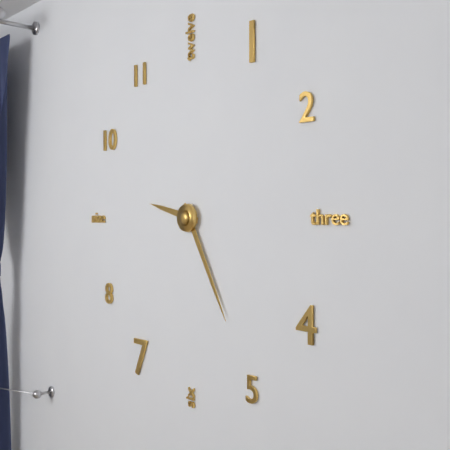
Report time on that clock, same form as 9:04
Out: 9:25
